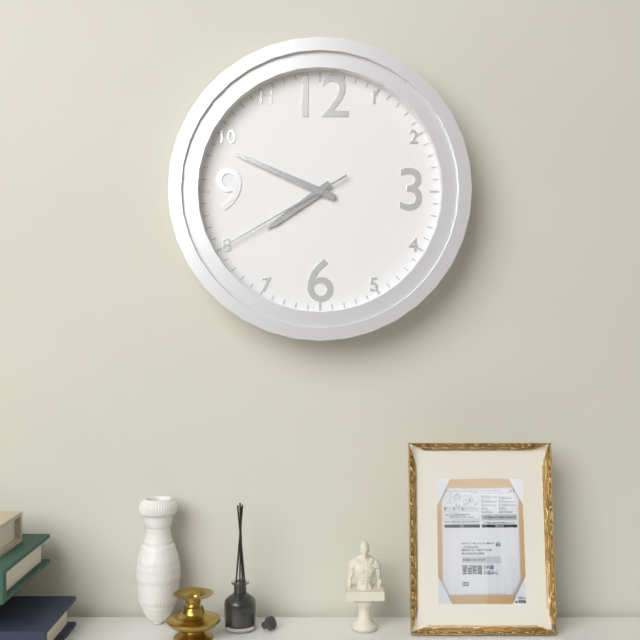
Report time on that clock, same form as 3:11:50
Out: 7:49:40
